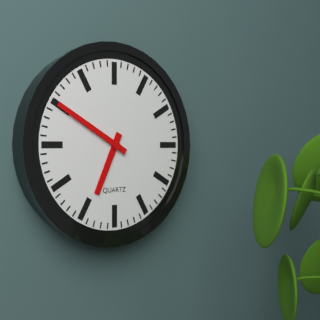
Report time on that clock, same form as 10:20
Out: 6:50
